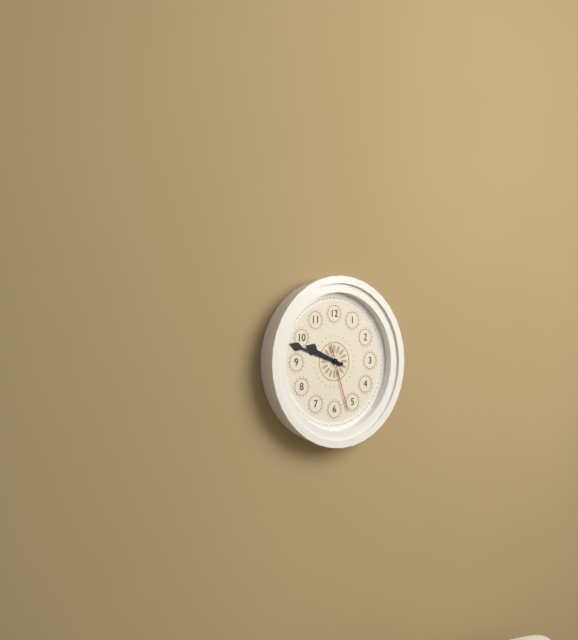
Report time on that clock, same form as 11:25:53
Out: 9:48:27
